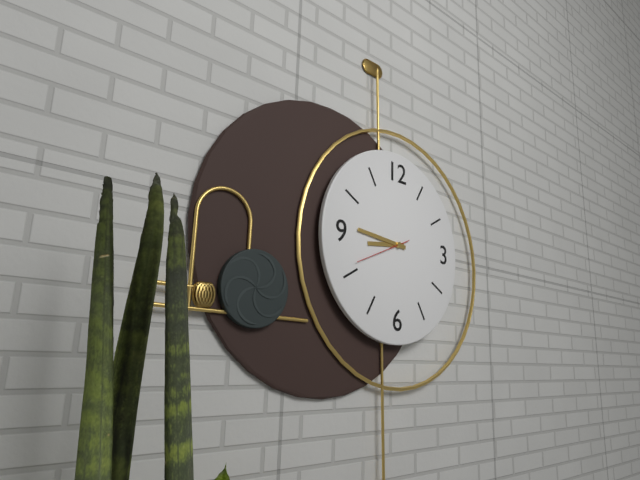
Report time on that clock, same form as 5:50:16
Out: 8:46:41
